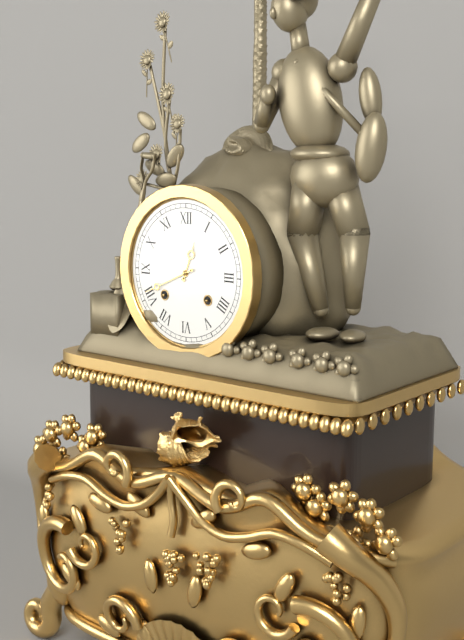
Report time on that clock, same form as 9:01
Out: 12:41
